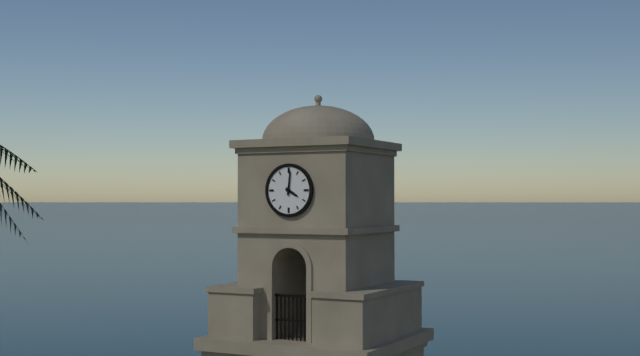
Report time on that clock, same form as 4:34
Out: 4:01
